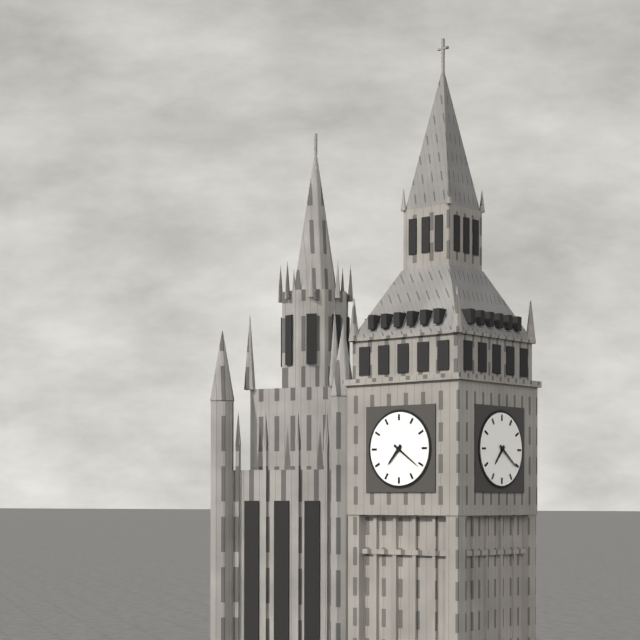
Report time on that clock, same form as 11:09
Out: 7:21
